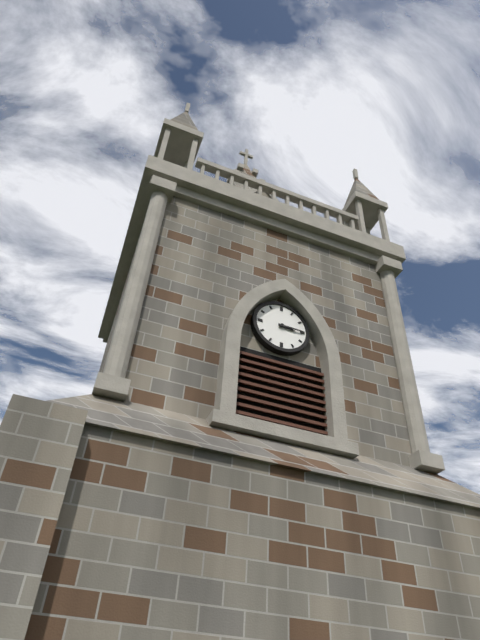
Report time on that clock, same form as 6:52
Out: 3:15
